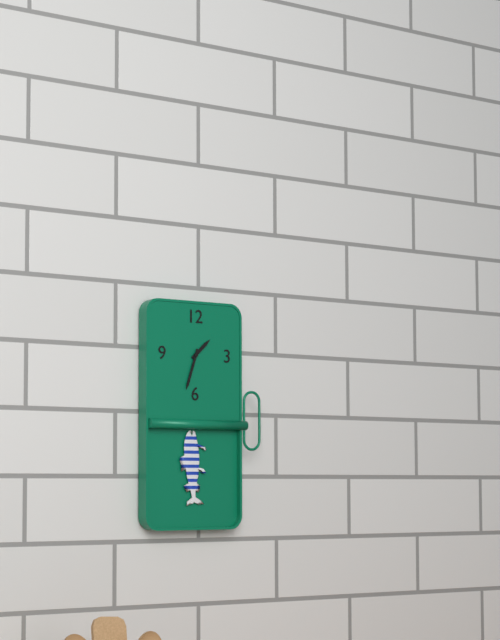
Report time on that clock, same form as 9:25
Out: 1:33
